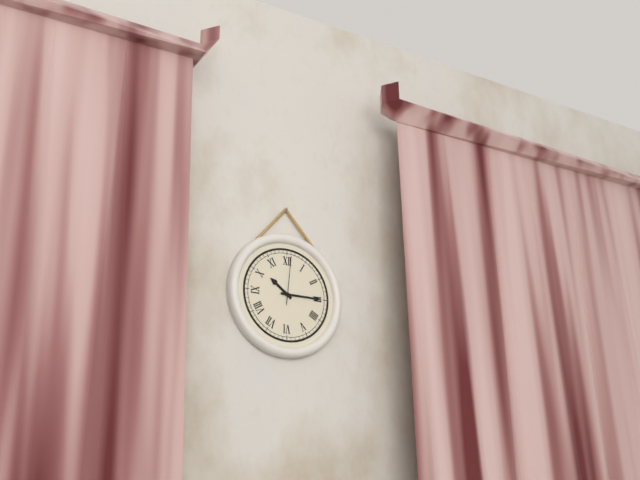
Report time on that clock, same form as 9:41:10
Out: 10:15:01
